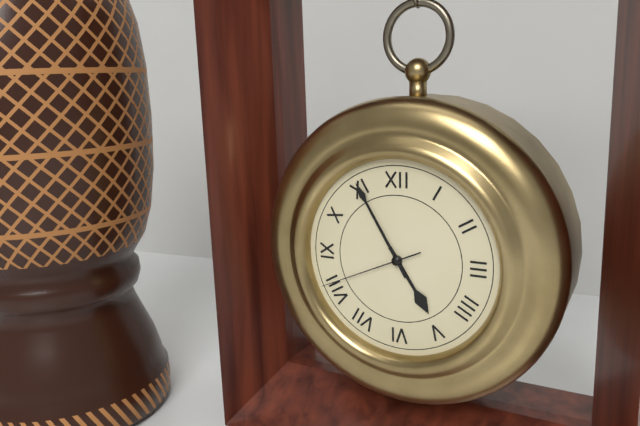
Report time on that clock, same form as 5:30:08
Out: 4:55:41
